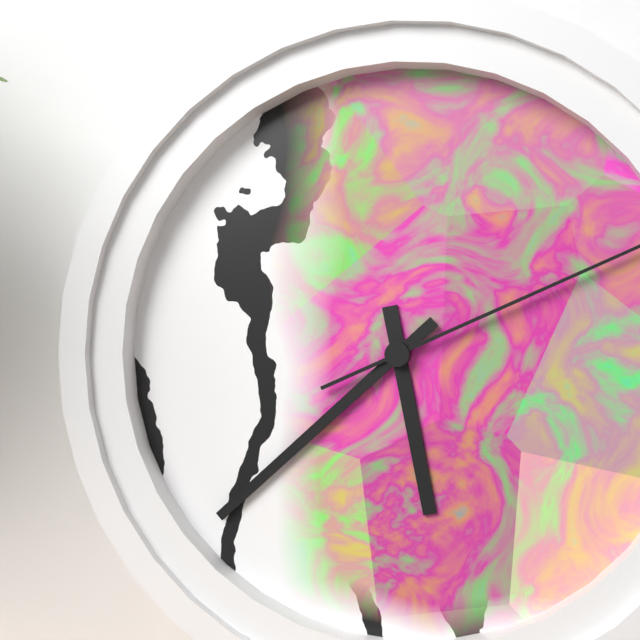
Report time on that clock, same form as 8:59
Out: 5:38
